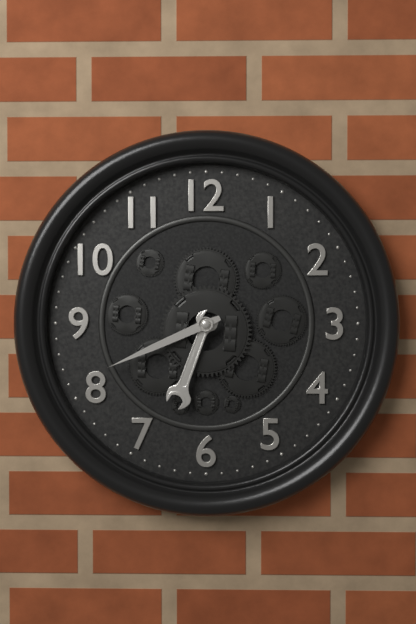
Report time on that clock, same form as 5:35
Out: 6:41
